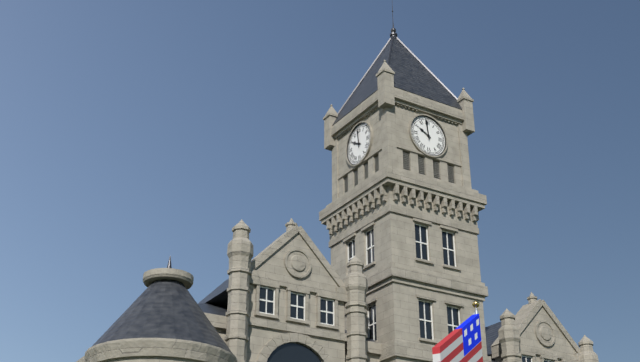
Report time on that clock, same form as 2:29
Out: 9:59
